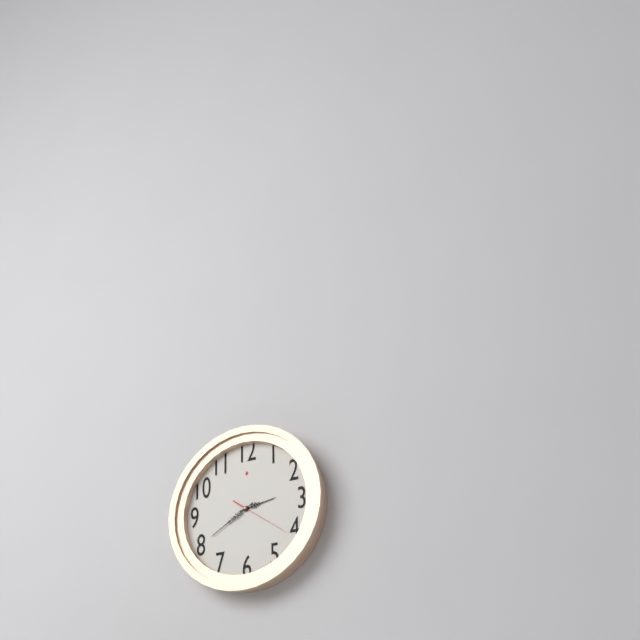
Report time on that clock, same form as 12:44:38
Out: 2:40:21
